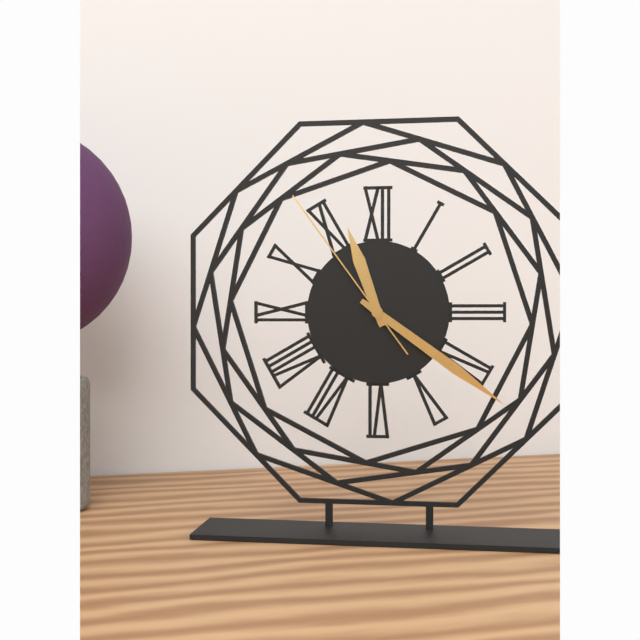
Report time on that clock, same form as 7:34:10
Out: 11:21:54
